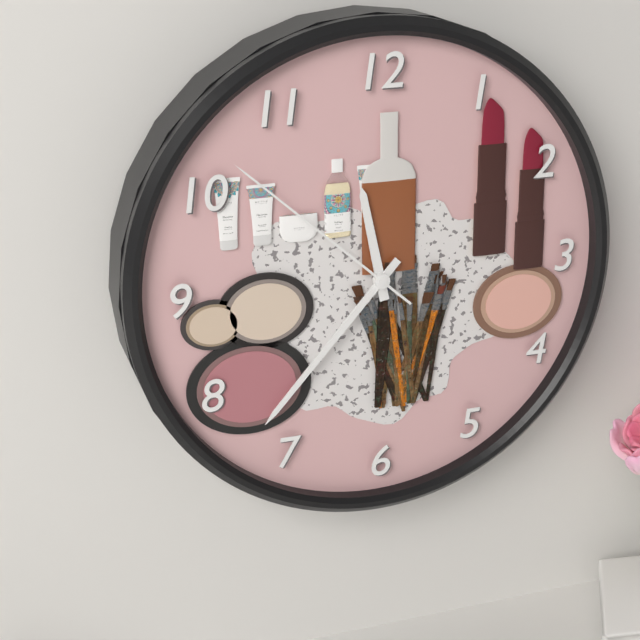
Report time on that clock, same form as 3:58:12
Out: 11:37:52
